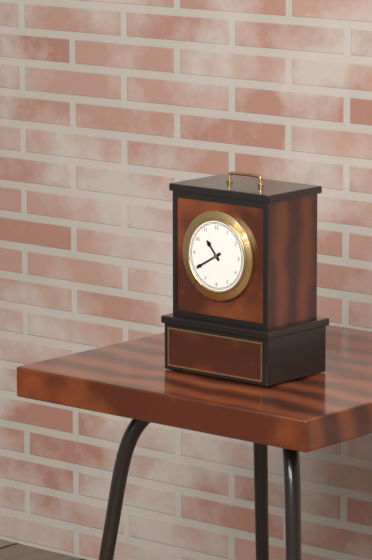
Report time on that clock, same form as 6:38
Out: 10:40
